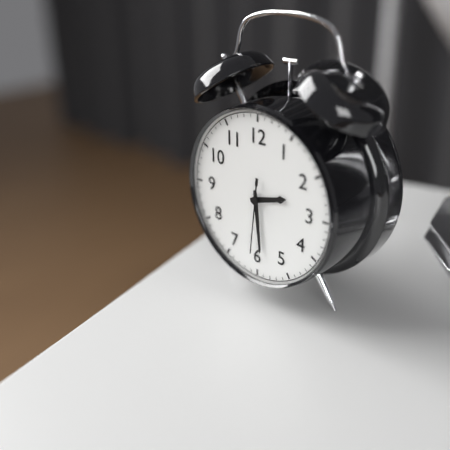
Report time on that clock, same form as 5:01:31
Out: 2:29:31
